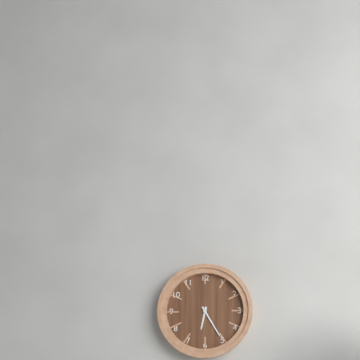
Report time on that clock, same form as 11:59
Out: 6:25
